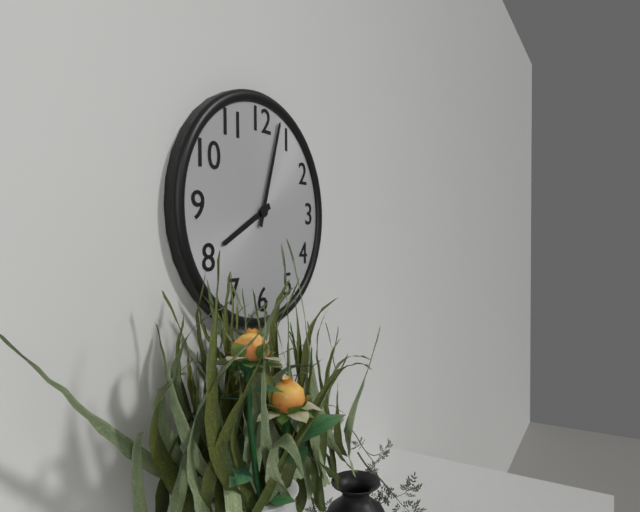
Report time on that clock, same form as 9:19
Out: 8:03
